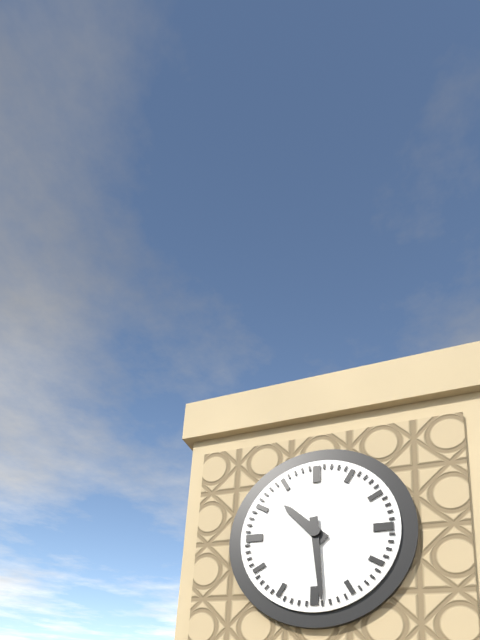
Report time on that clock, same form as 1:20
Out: 10:29
